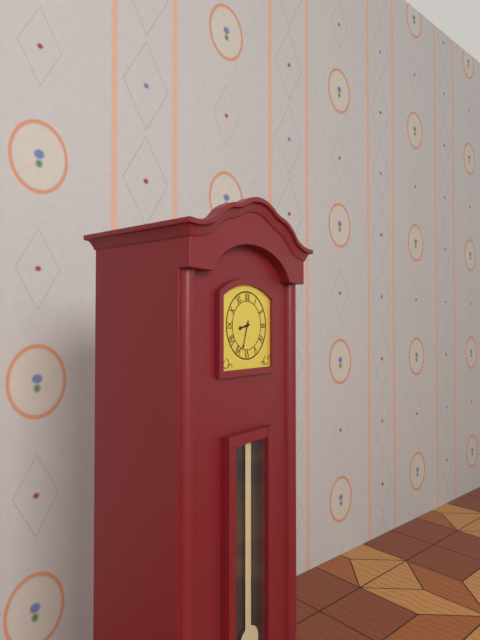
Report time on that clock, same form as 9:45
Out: 8:33
